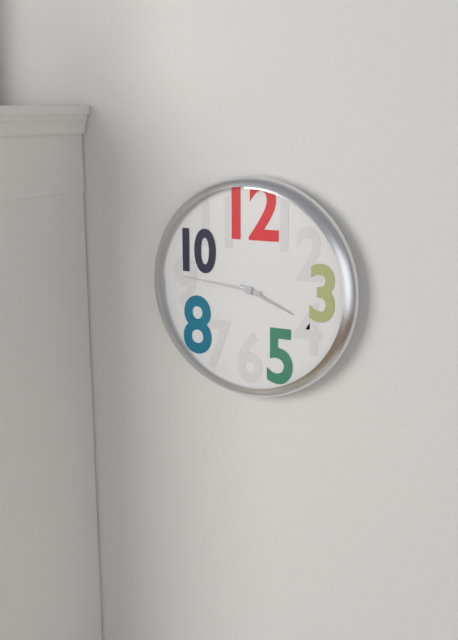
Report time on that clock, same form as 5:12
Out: 3:46
